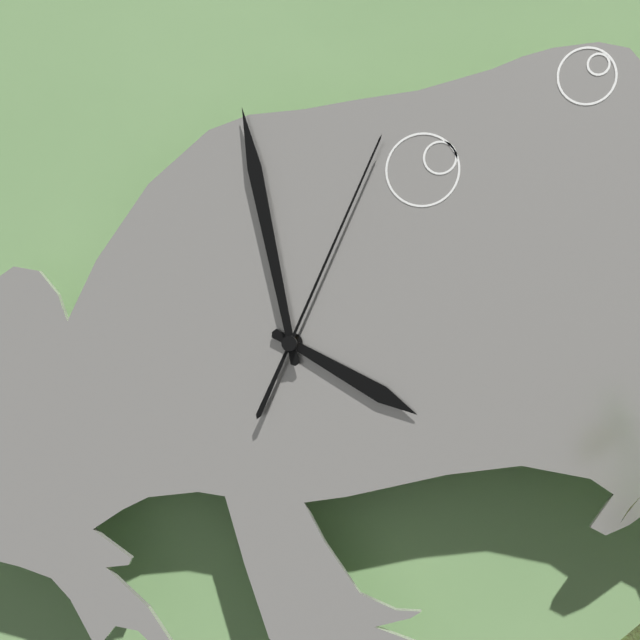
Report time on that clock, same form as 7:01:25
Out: 3:58:04
